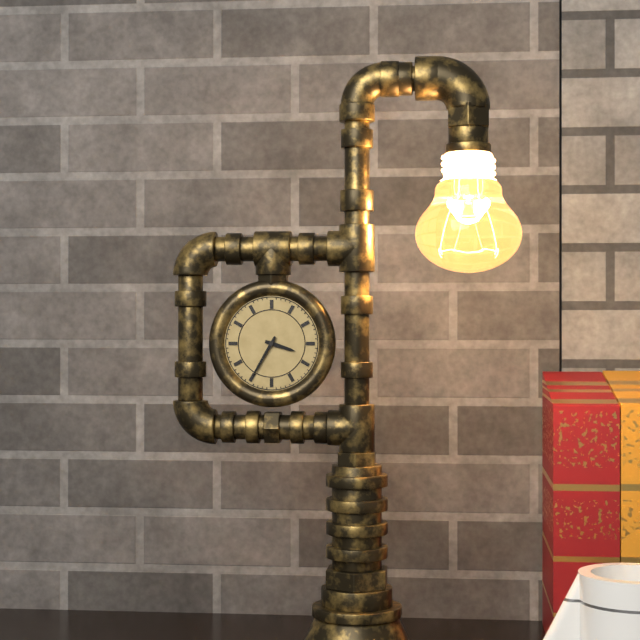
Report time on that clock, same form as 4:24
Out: 3:35
